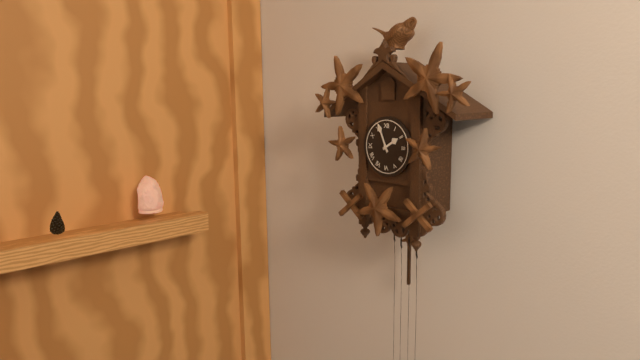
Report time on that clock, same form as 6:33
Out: 1:56
